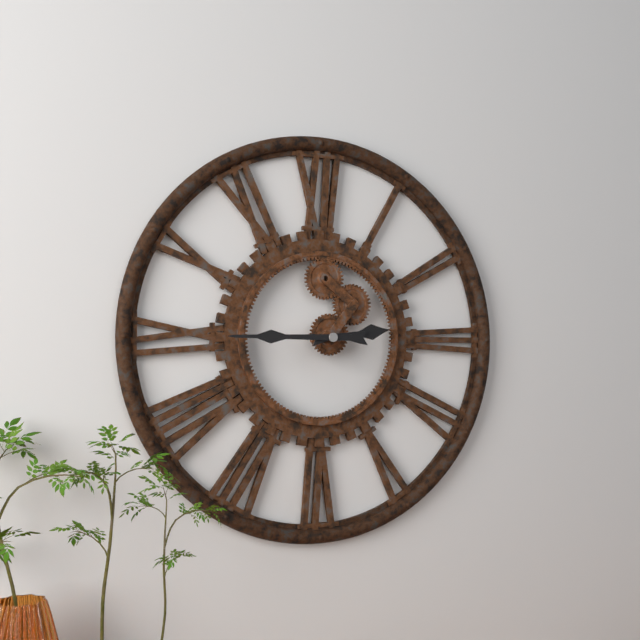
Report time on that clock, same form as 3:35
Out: 2:45
